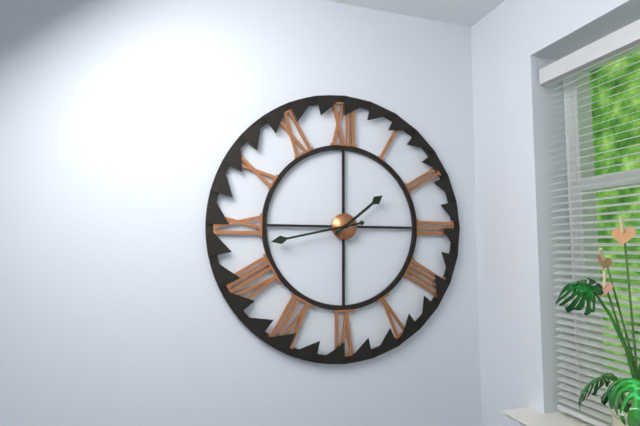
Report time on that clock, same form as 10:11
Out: 1:43
